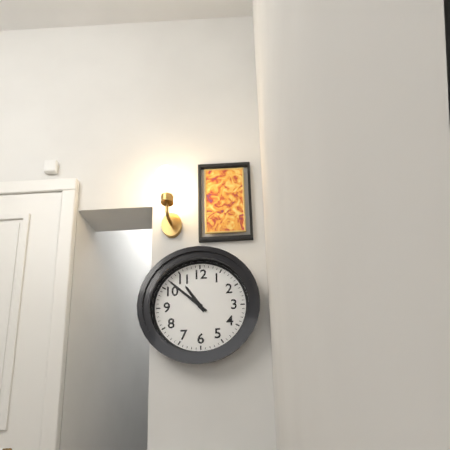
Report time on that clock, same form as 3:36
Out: 10:52
